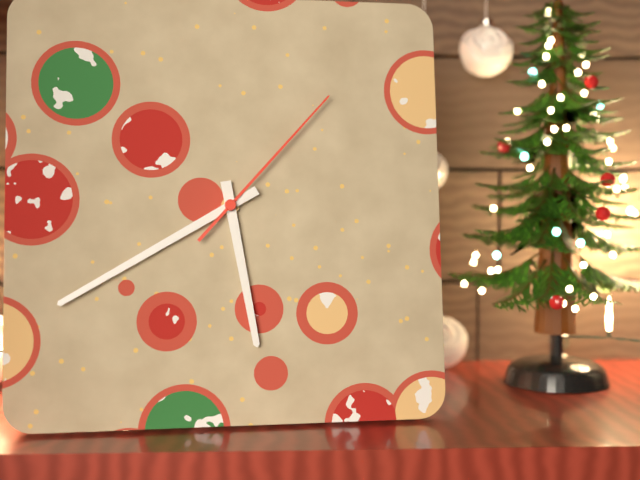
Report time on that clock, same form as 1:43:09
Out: 5:40:07
